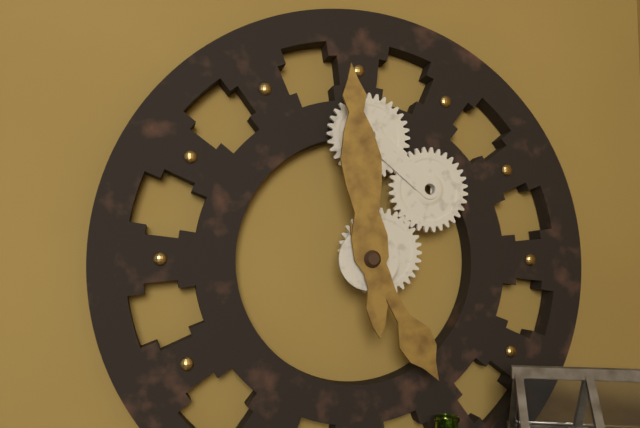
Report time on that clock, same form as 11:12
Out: 4:59
